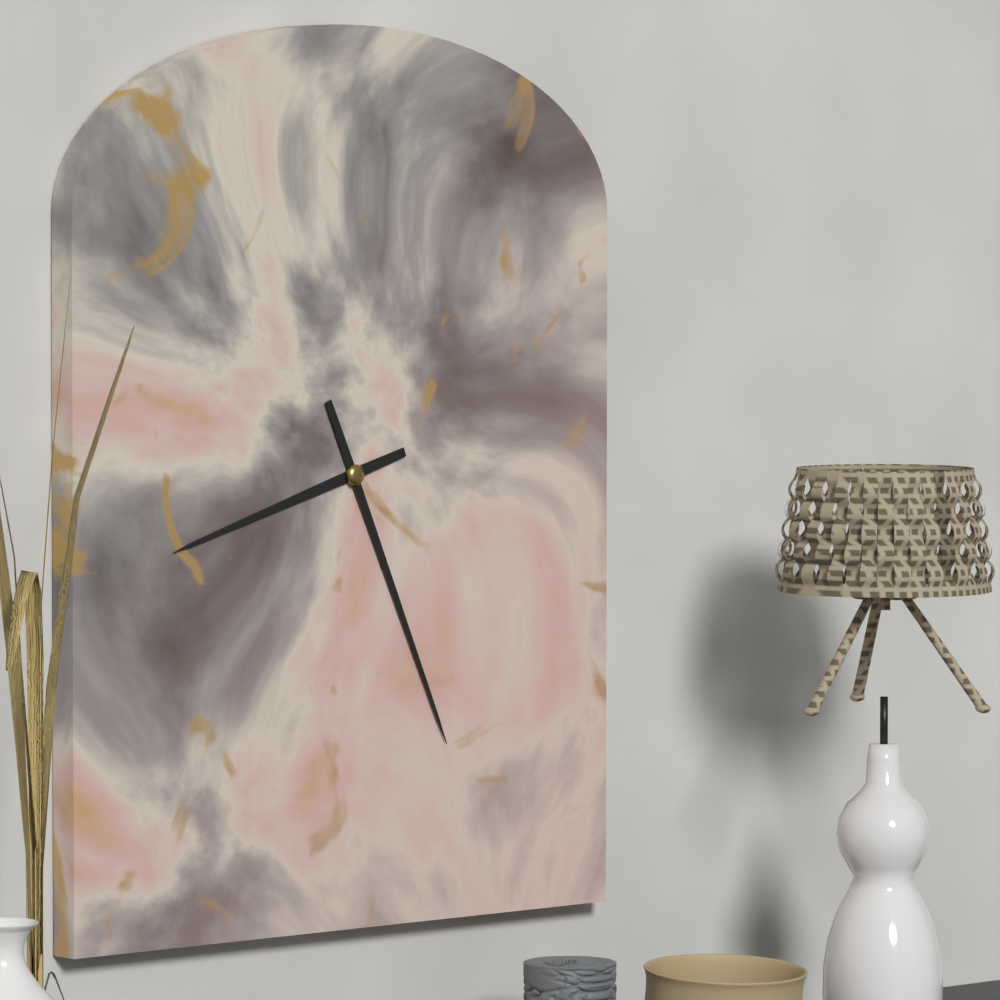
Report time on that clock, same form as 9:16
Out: 8:26
